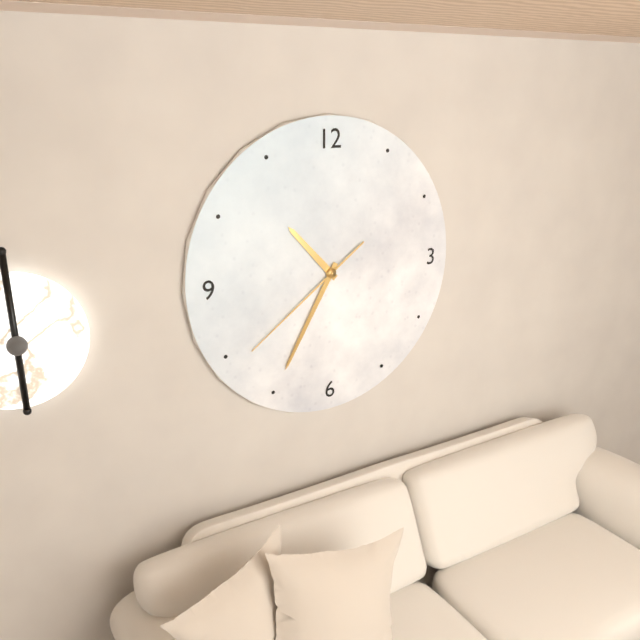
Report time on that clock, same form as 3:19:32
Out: 10:35:39
